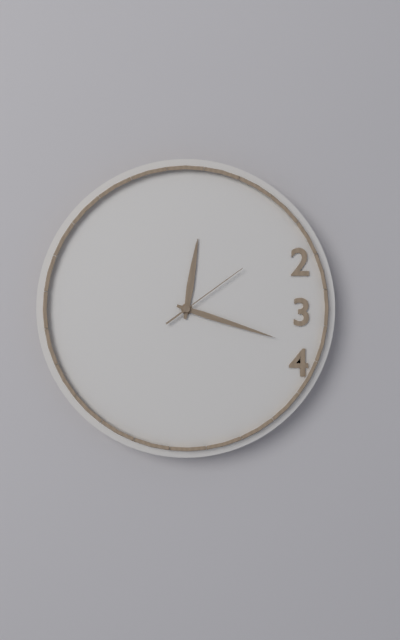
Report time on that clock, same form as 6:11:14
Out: 12:18:09
